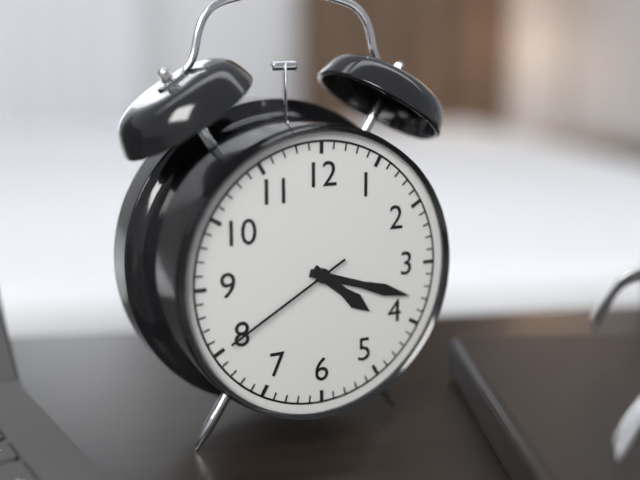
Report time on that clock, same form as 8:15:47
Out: 4:18:40
